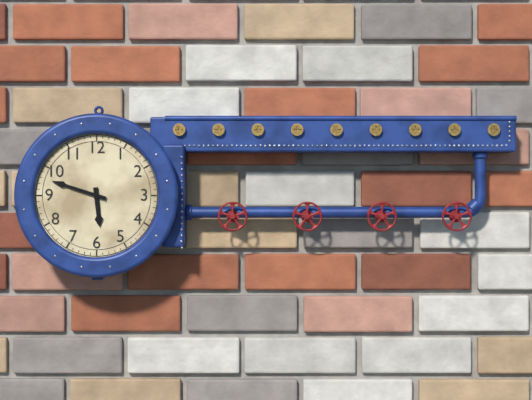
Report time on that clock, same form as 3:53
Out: 5:48
